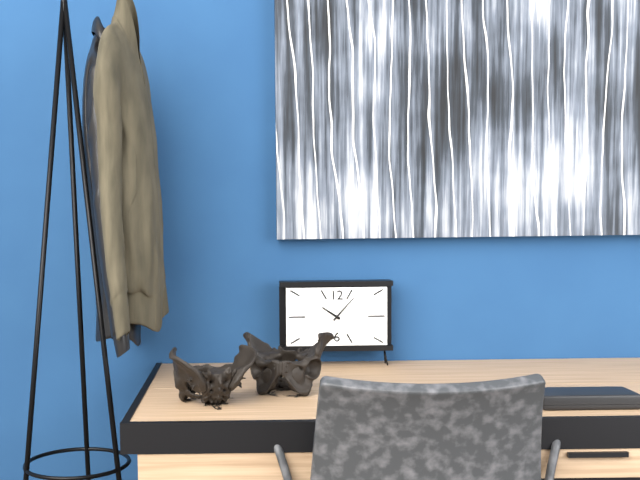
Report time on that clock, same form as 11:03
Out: 10:07
